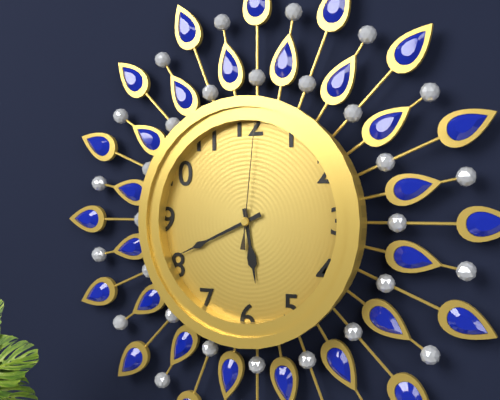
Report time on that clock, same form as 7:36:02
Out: 5:41:01
